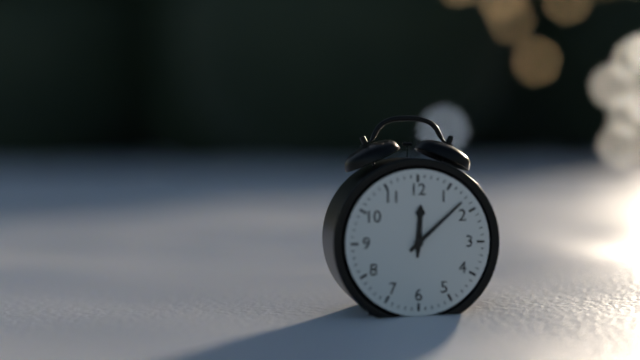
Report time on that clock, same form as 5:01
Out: 12:08
